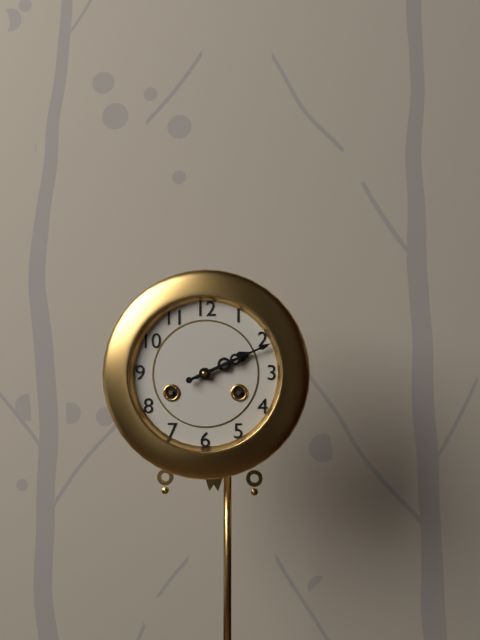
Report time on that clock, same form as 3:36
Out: 2:11
